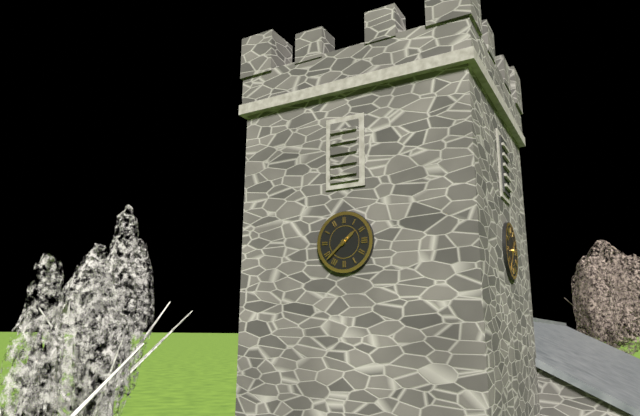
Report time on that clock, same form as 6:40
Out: 1:38
